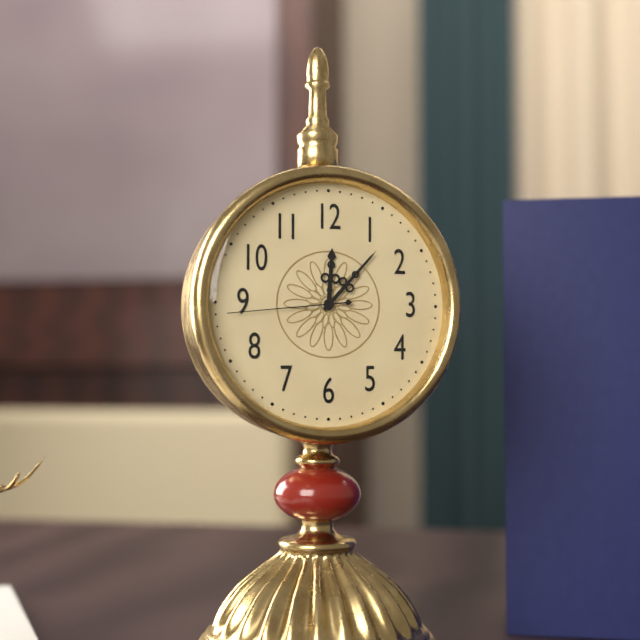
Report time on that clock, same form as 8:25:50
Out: 12:07:44
